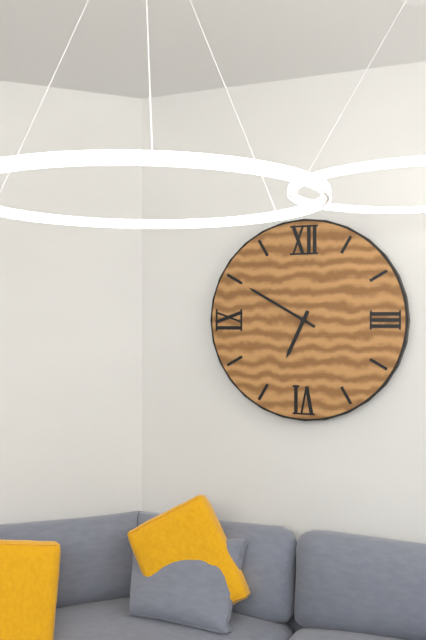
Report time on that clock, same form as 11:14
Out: 6:50
